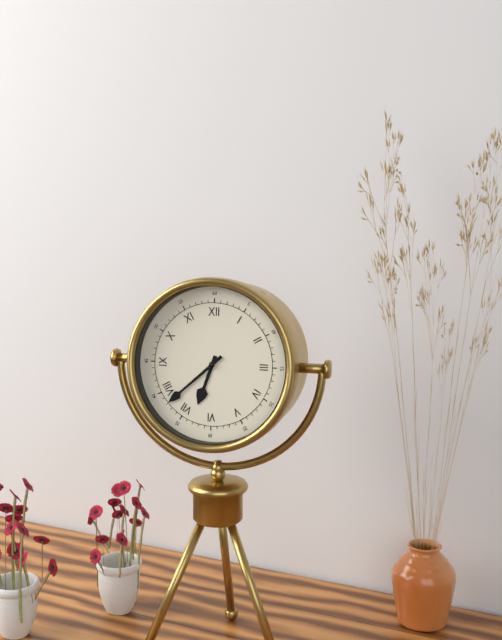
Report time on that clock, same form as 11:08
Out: 6:38
